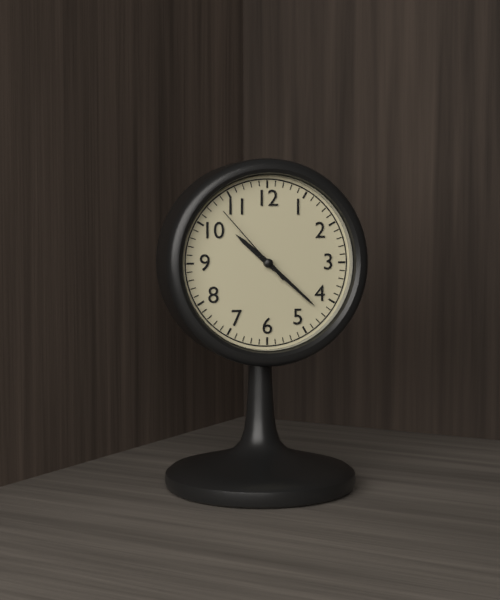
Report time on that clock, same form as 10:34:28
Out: 10:22:53
